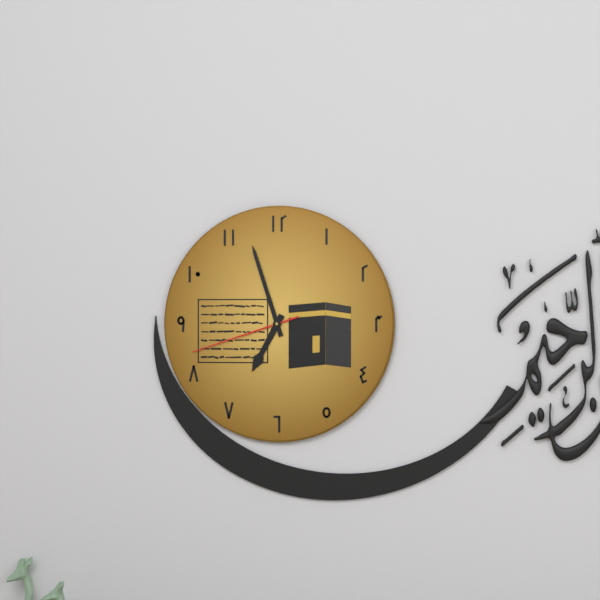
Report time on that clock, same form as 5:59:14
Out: 6:57:42
